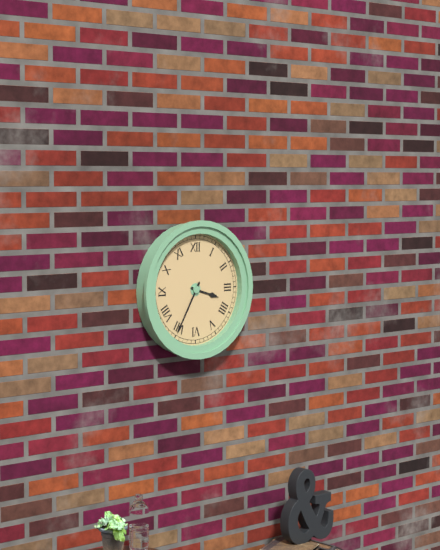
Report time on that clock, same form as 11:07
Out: 3:35
